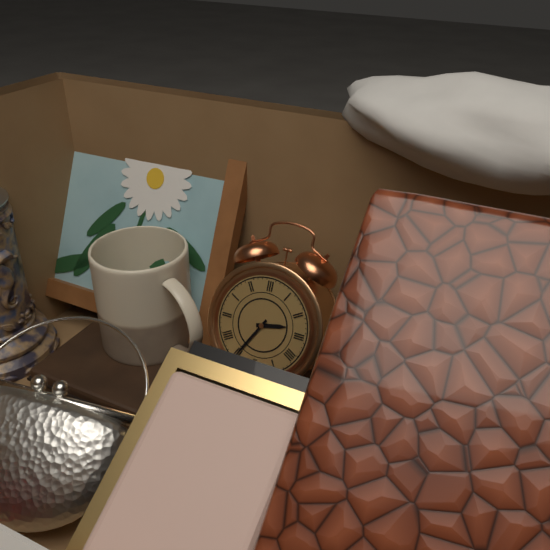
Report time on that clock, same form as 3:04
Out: 2:35
